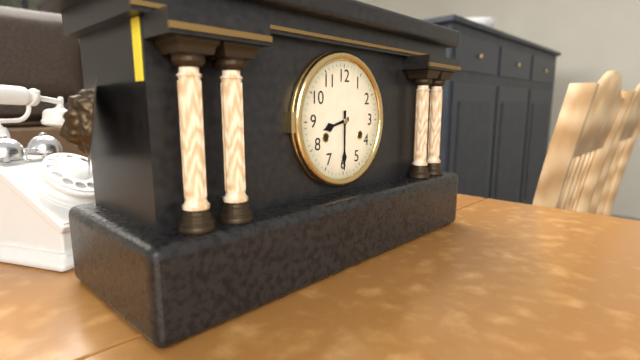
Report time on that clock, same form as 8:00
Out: 8:30
